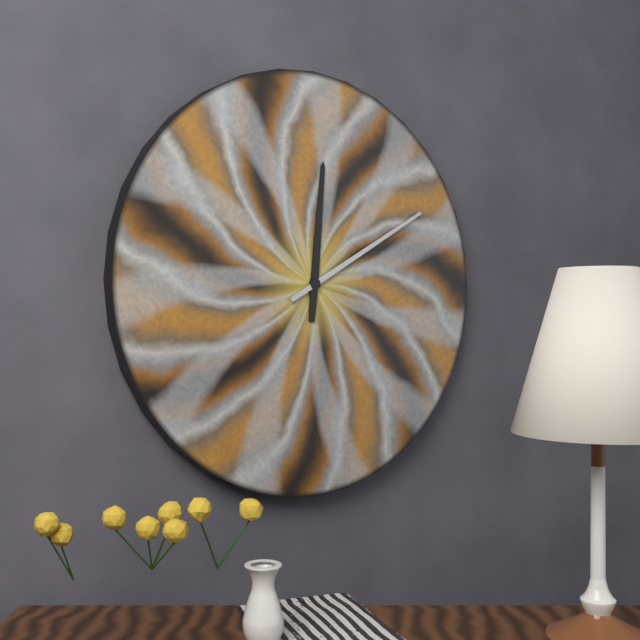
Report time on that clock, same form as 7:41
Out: 12:10
